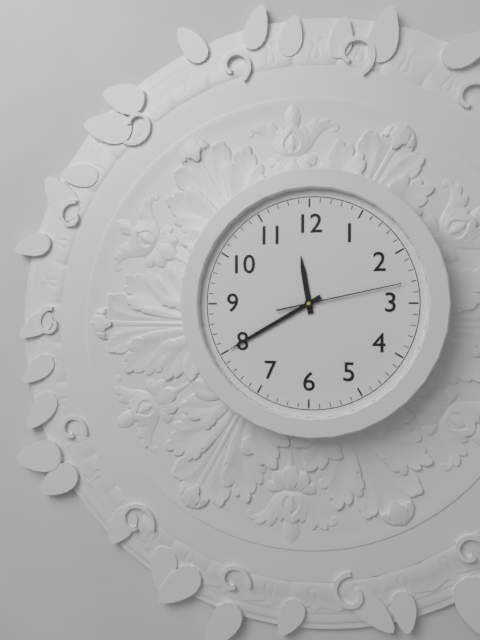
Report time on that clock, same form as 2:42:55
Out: 11:40:13
